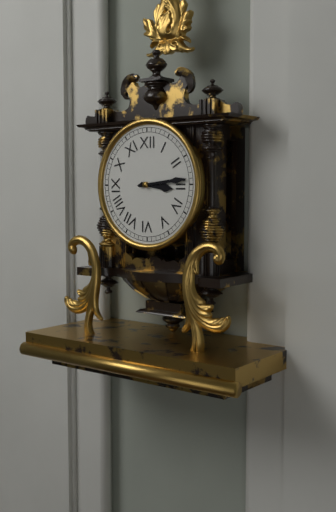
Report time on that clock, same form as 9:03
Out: 3:14
